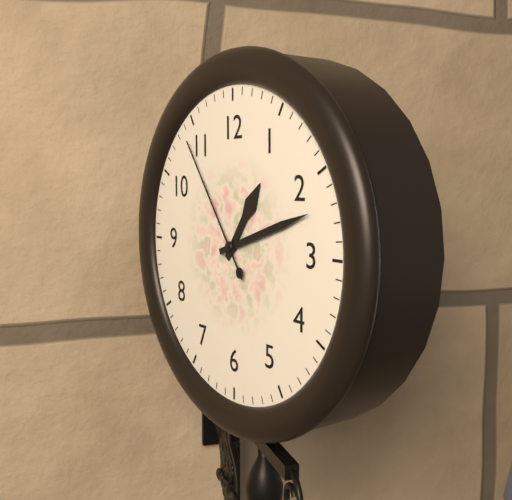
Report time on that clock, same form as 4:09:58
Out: 1:12:54
